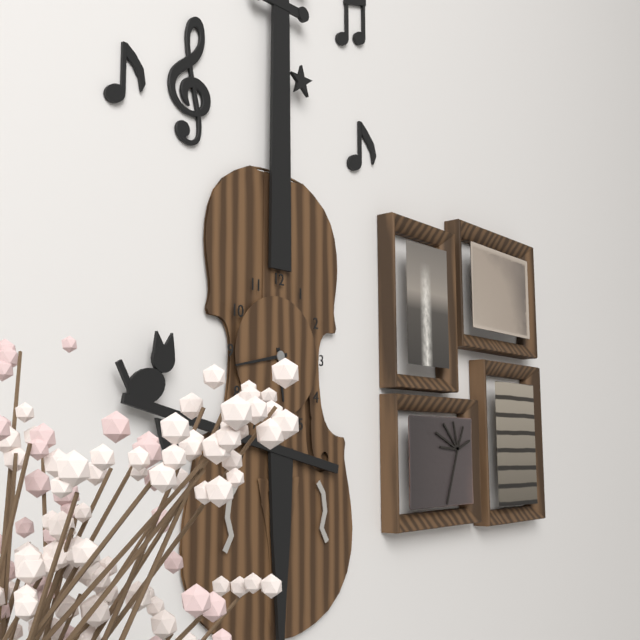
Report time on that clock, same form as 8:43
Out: 5:43
